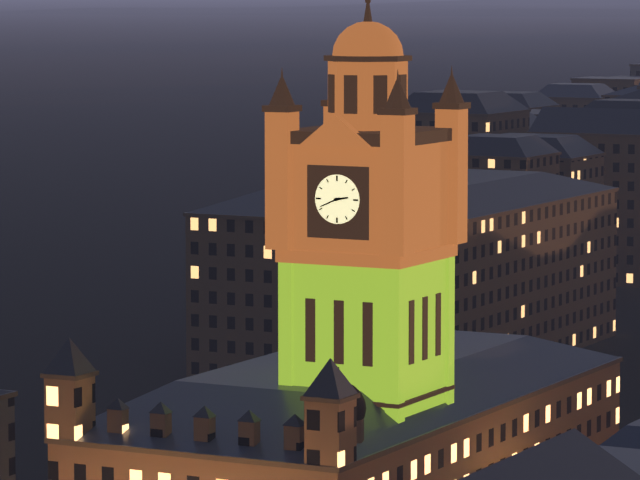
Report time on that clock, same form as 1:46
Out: 2:41
